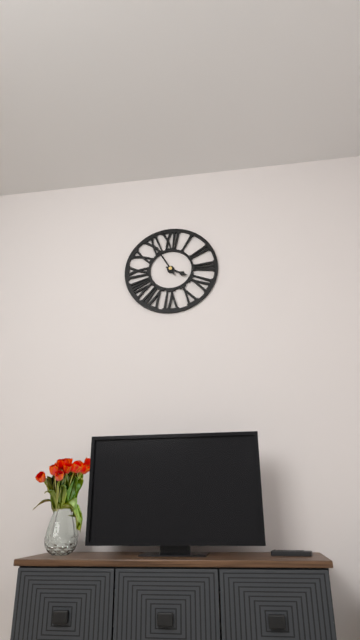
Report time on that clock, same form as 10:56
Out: 3:55
